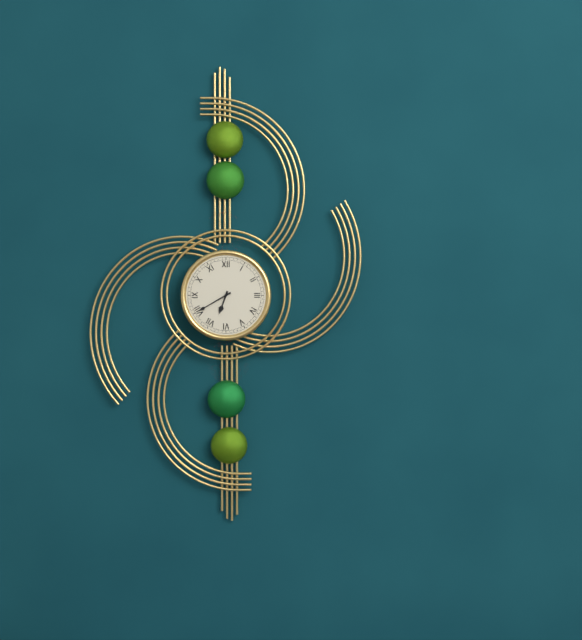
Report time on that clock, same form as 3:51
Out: 6:40
